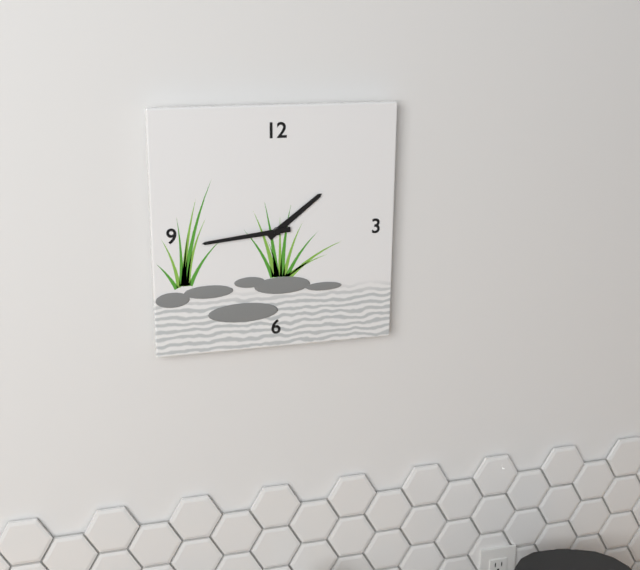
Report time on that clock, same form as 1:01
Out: 1:44
